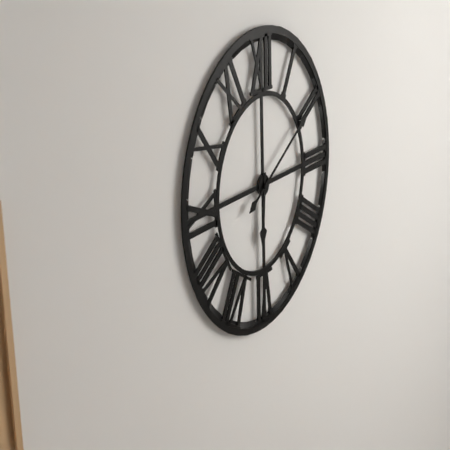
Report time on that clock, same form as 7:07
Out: 6:10
